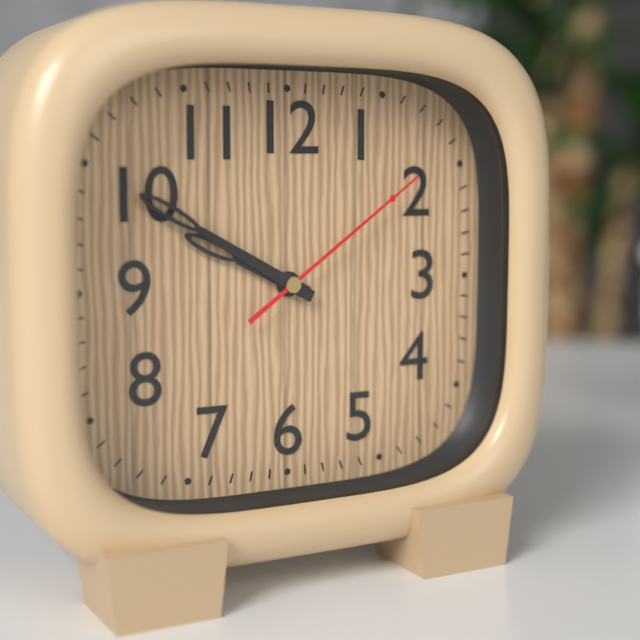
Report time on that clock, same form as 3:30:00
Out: 9:50:09
